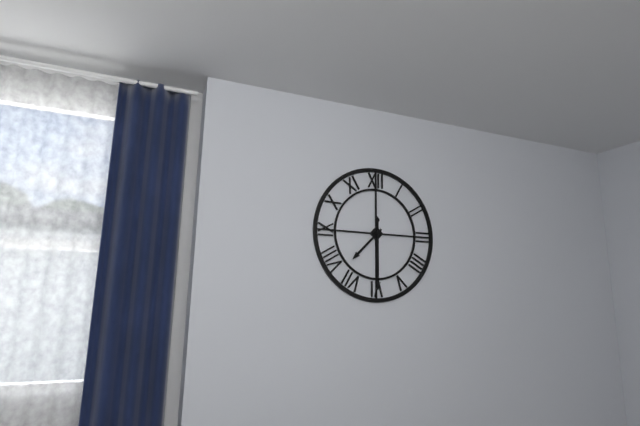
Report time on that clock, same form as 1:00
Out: 7:30
